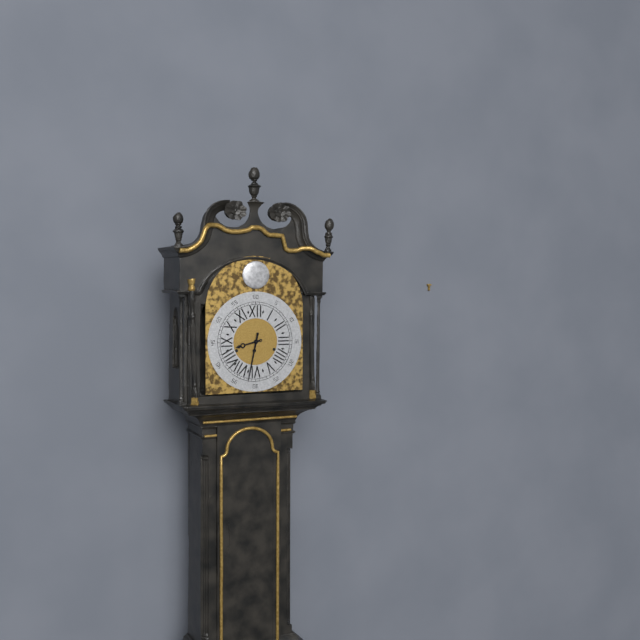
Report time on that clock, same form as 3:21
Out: 8:32
